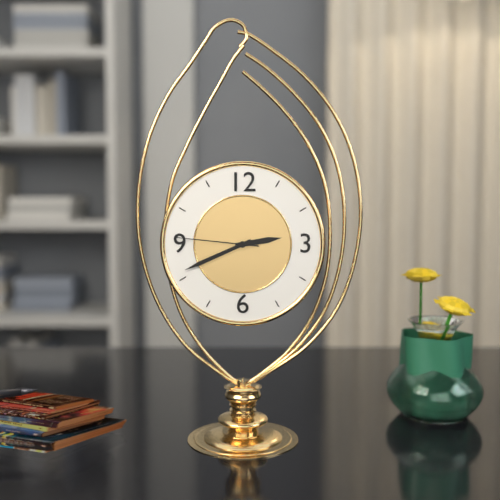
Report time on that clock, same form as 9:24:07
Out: 2:41:46
